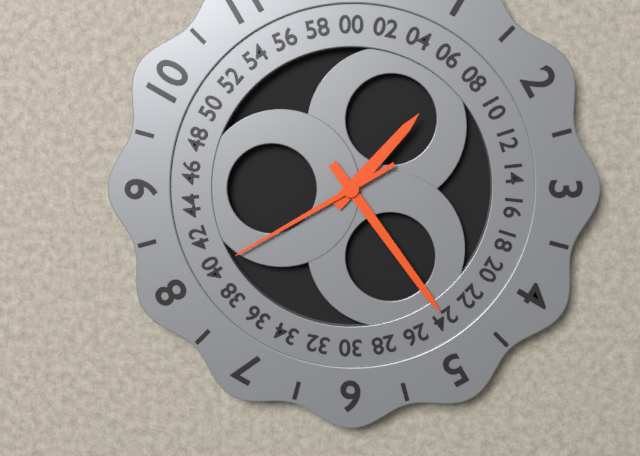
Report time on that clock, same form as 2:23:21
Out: 1:24:40
